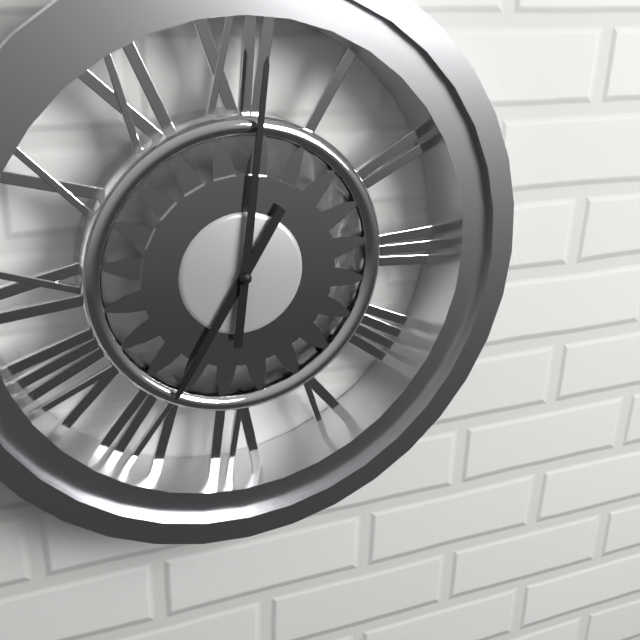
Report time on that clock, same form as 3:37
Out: 7:01
